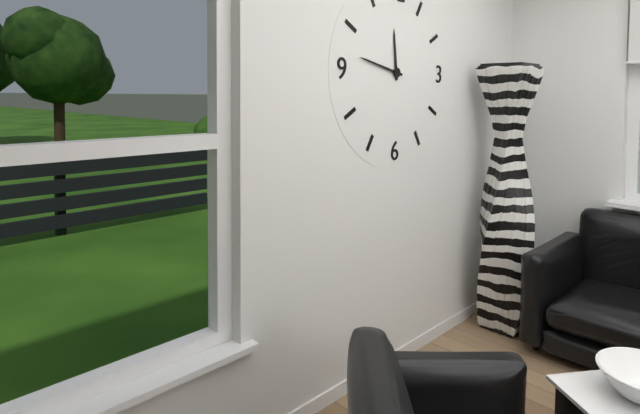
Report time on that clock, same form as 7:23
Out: 11:47
